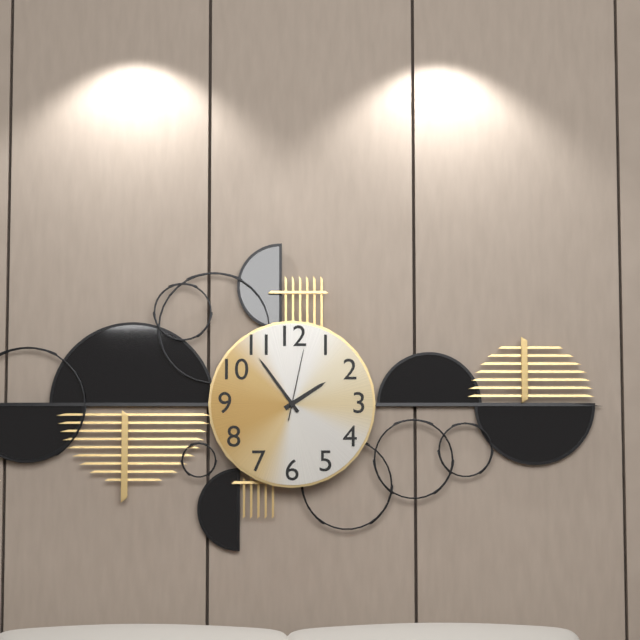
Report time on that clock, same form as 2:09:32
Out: 1:54:02
